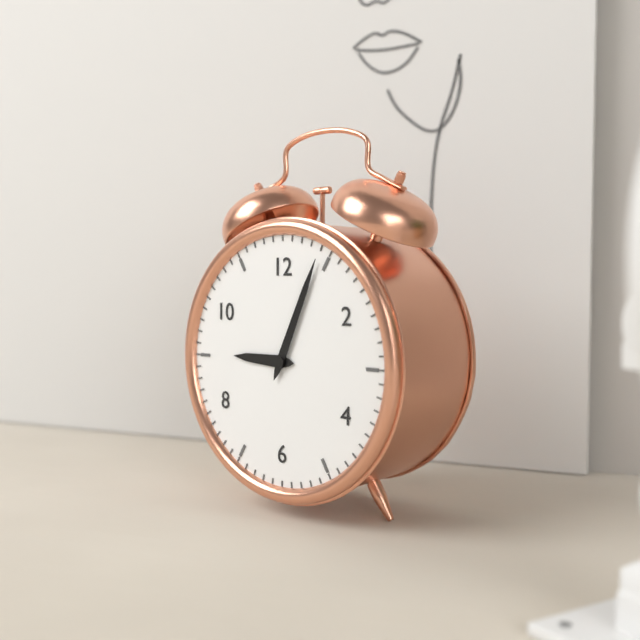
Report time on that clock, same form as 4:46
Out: 9:04
